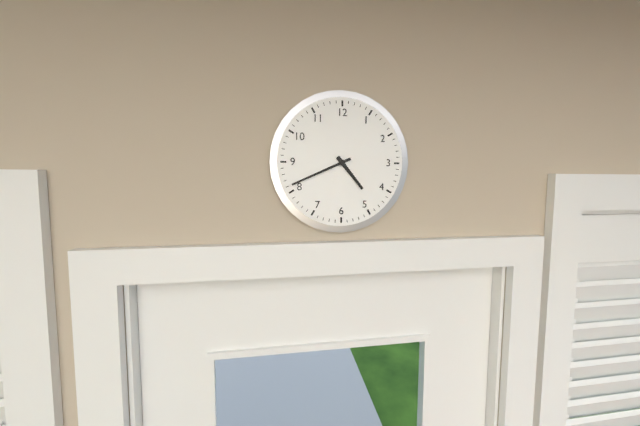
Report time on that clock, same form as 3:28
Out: 4:41
